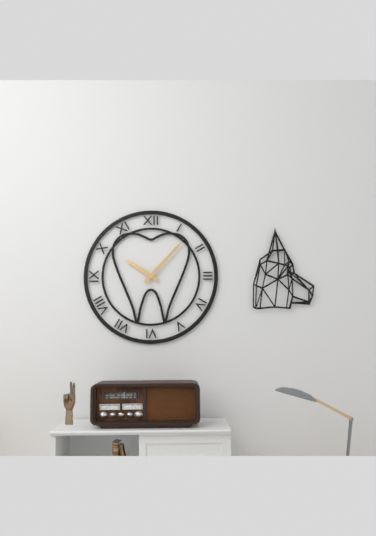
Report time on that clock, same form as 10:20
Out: 10:07
